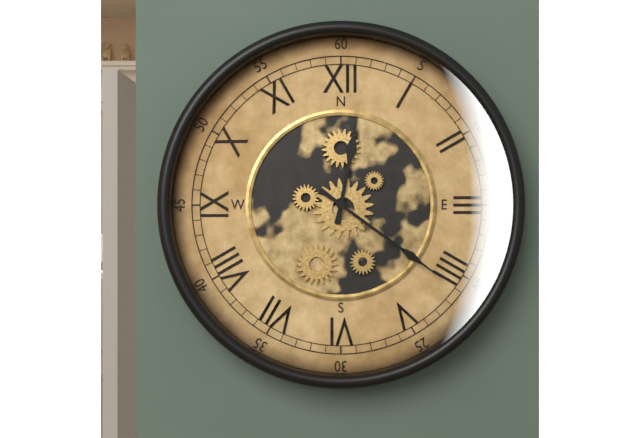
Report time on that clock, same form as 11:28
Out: 12:21
